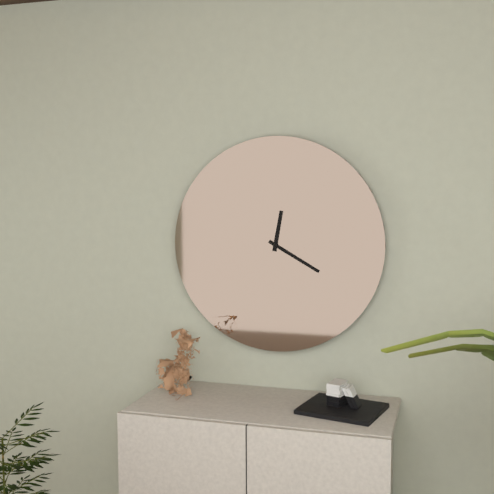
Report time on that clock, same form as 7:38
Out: 12:20
